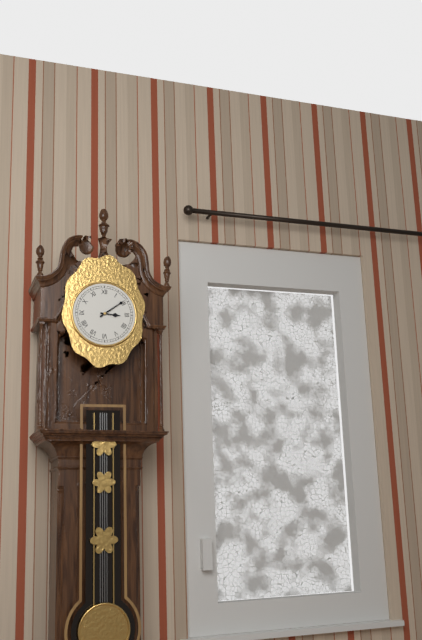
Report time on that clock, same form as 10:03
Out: 3:09
